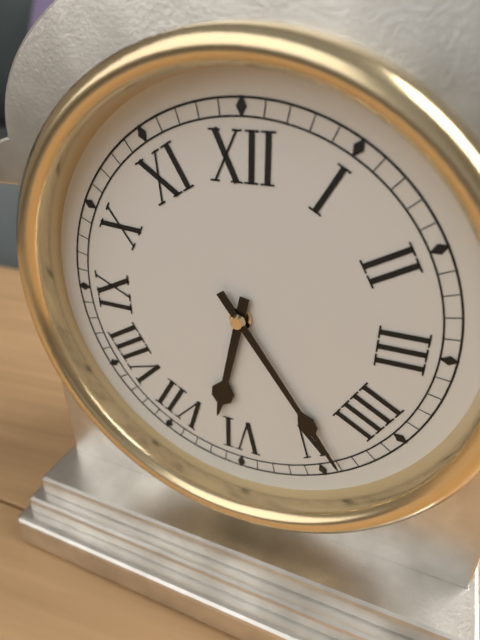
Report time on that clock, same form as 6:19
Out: 6:24
